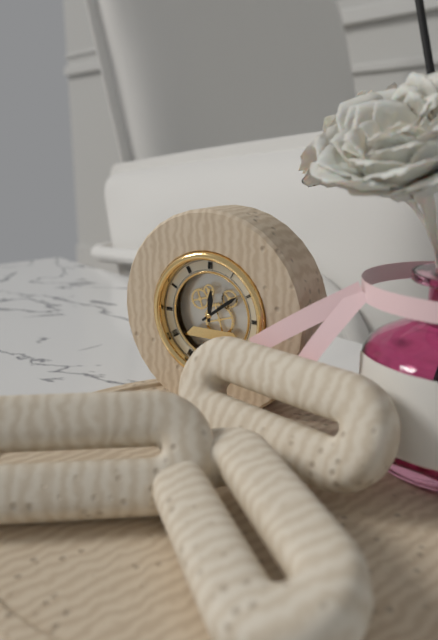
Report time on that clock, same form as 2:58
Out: 12:09
